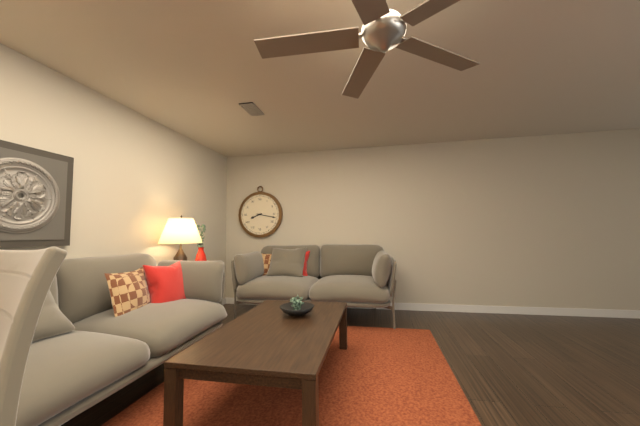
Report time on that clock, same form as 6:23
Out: 8:17
